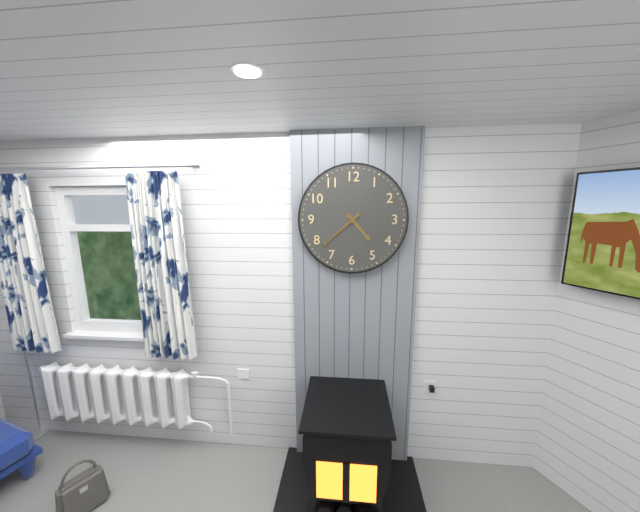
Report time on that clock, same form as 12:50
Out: 4:38
